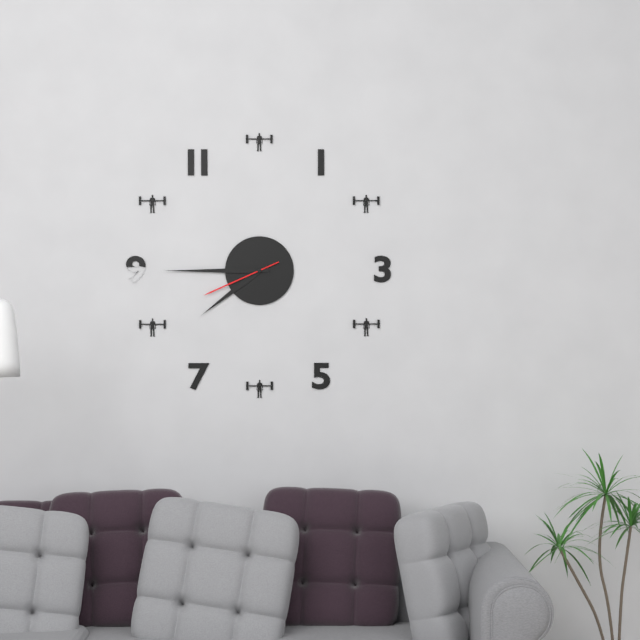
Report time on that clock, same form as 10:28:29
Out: 7:45:41
